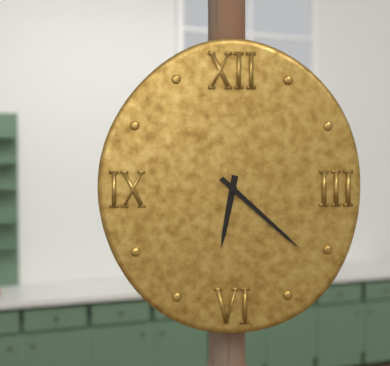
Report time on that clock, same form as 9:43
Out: 6:22
